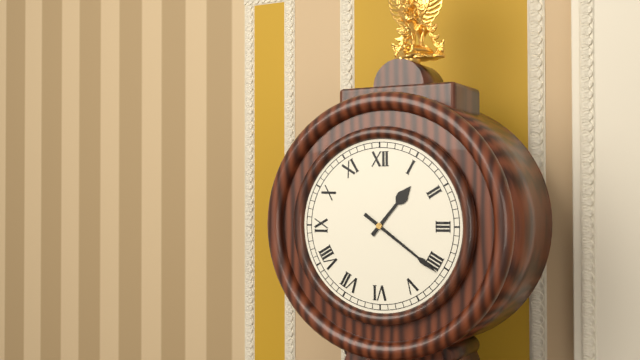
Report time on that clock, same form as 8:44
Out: 1:21
